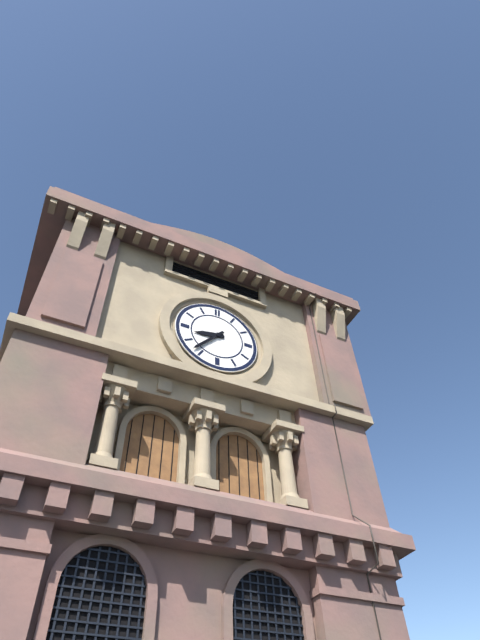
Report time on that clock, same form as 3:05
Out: 8:37
